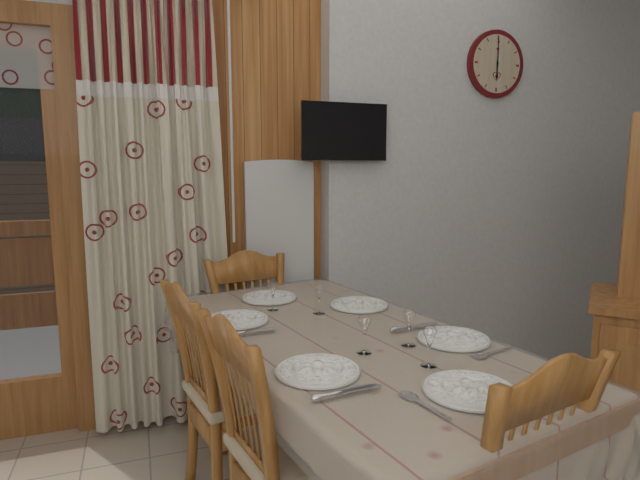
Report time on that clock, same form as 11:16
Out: 6:00
